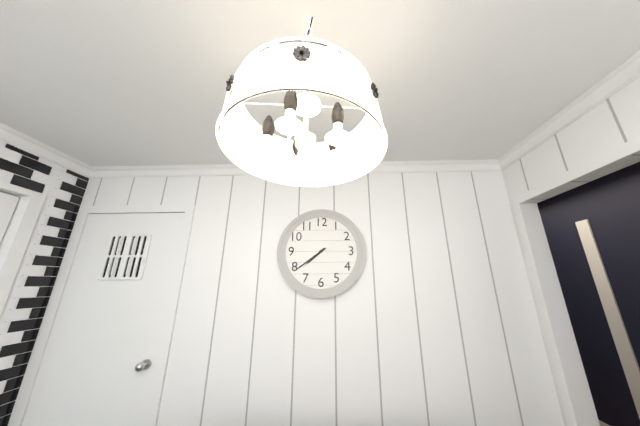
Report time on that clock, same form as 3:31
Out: 7:39
